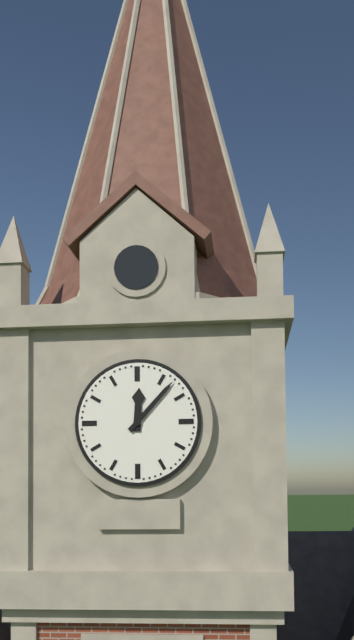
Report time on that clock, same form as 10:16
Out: 12:07
